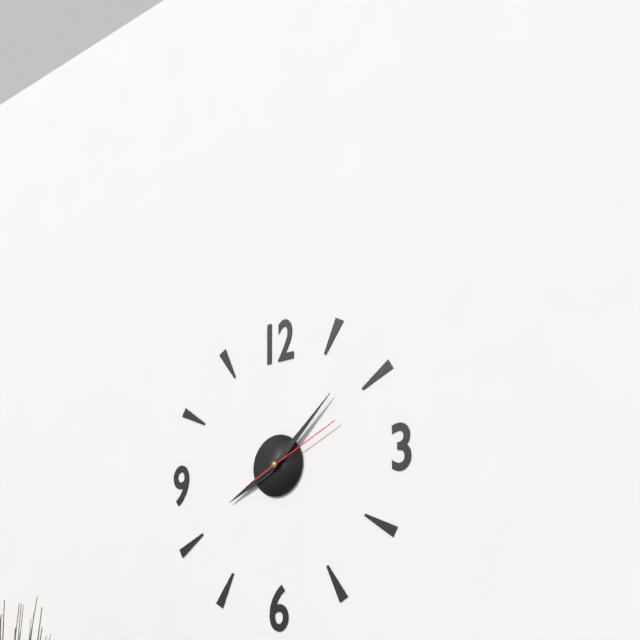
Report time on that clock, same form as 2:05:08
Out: 8:08:11
